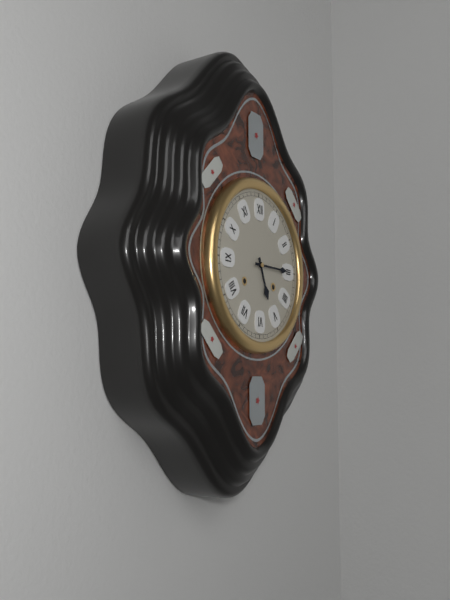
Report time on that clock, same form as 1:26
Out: 5:15
